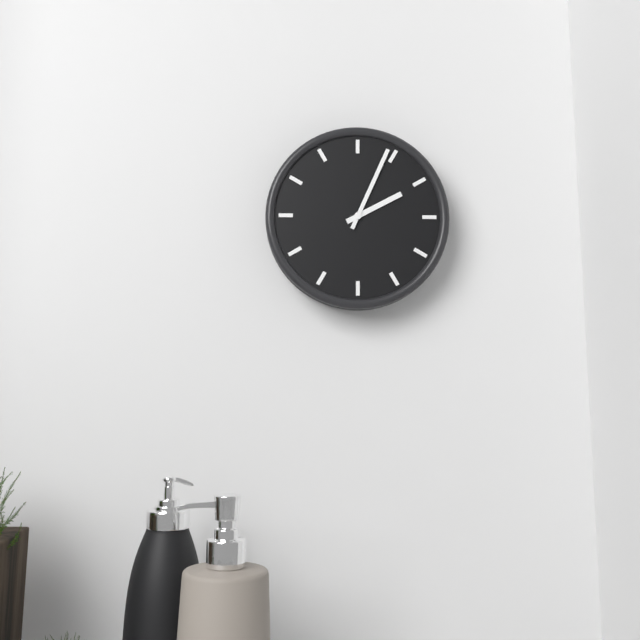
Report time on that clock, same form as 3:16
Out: 2:04
